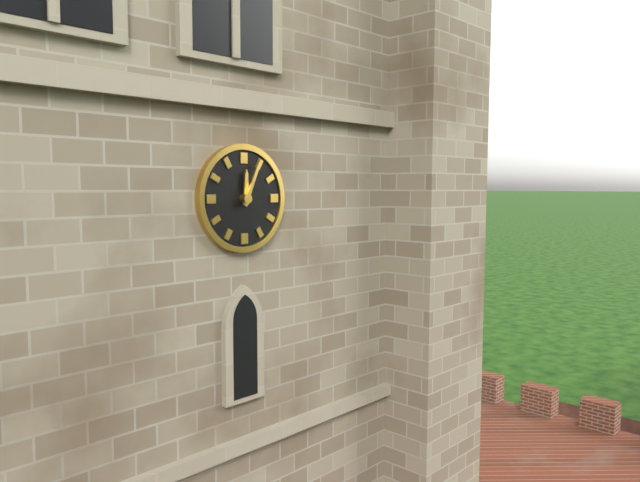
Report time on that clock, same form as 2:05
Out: 12:04
